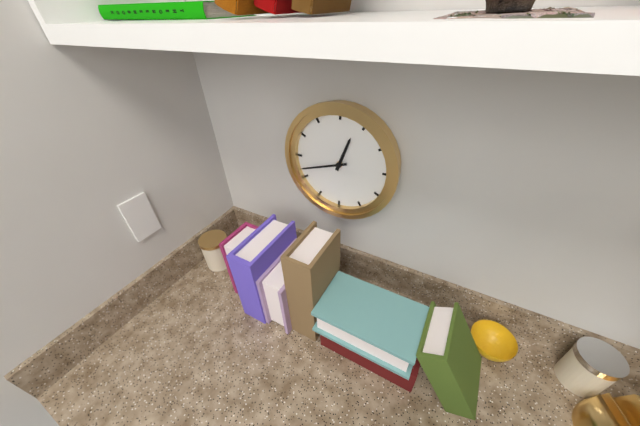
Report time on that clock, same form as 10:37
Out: 12:42
